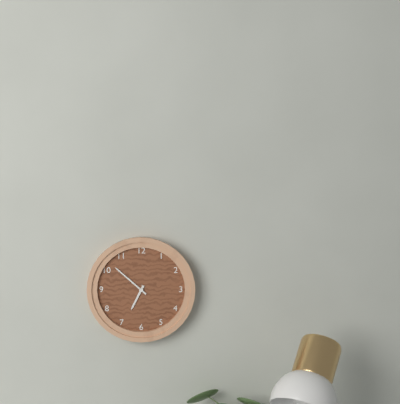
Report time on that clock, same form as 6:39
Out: 6:52
